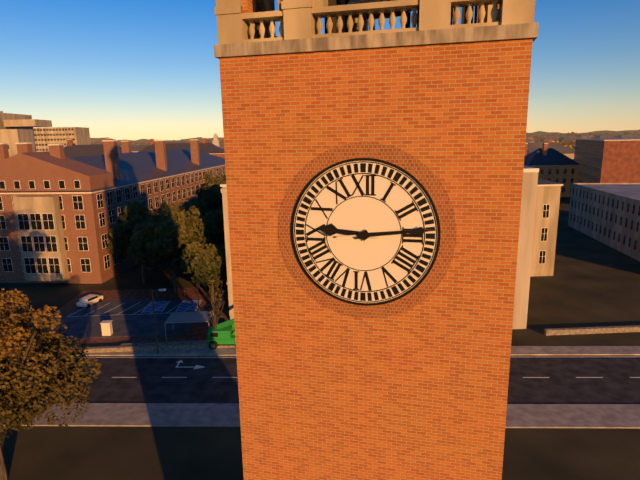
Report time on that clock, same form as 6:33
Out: 9:14
